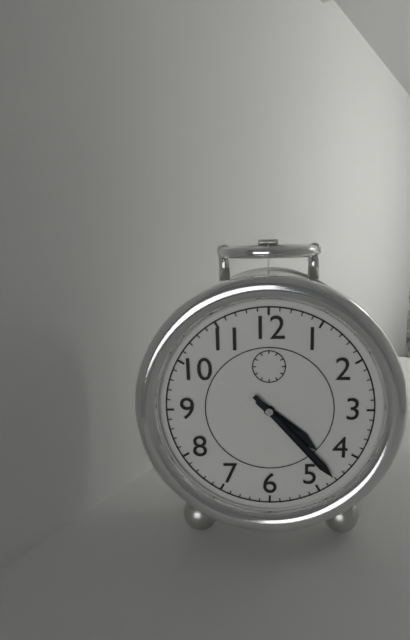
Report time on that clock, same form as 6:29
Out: 4:23
